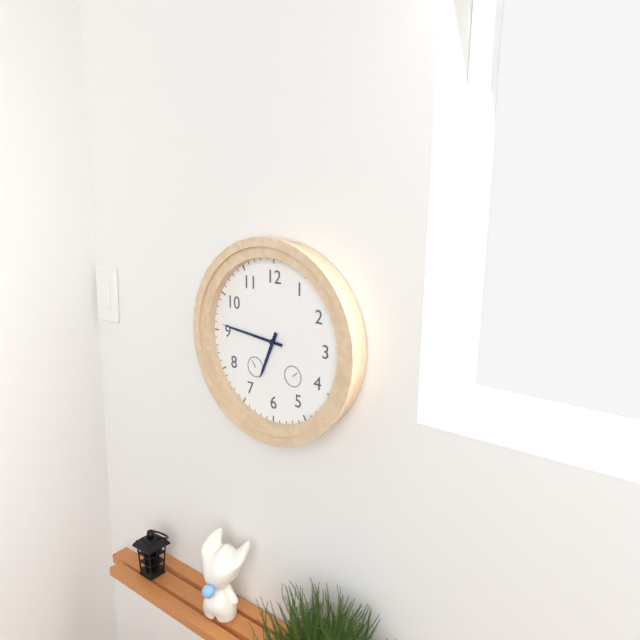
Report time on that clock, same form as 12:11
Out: 6:46
